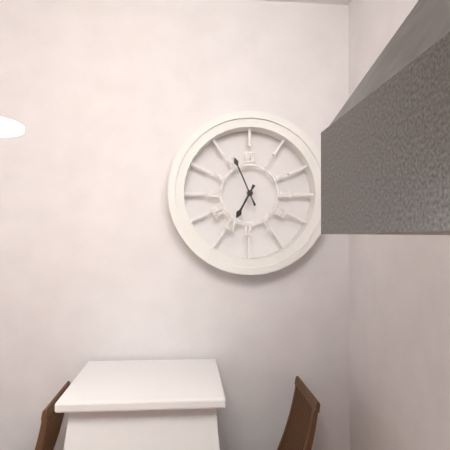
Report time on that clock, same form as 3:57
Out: 6:56
